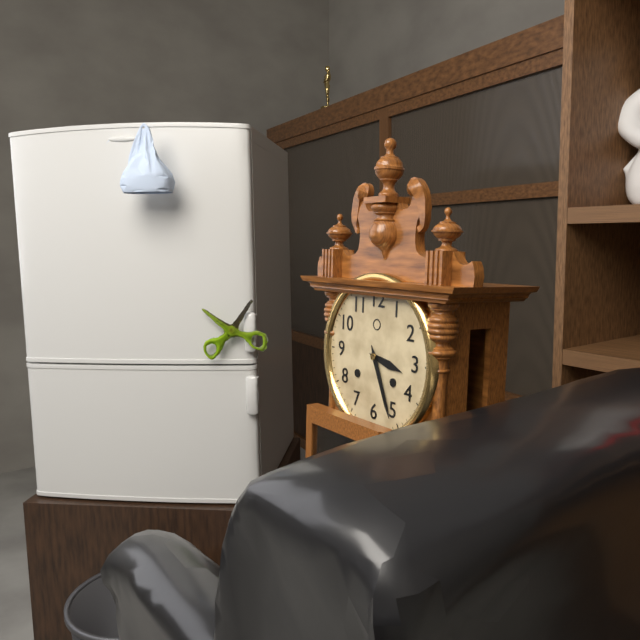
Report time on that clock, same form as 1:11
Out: 3:26
